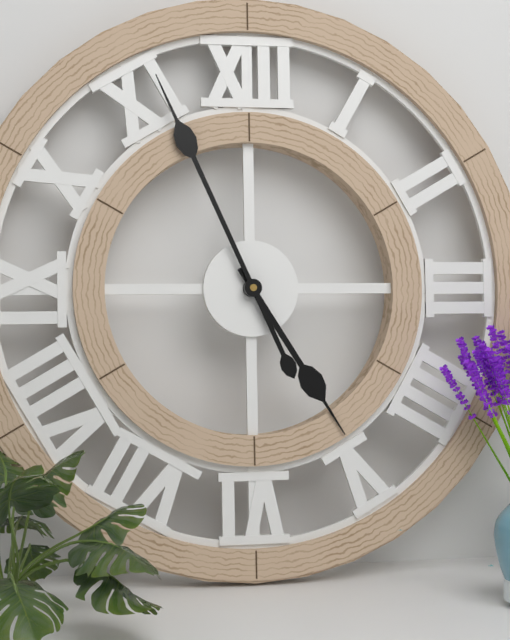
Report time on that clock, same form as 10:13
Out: 4:56
